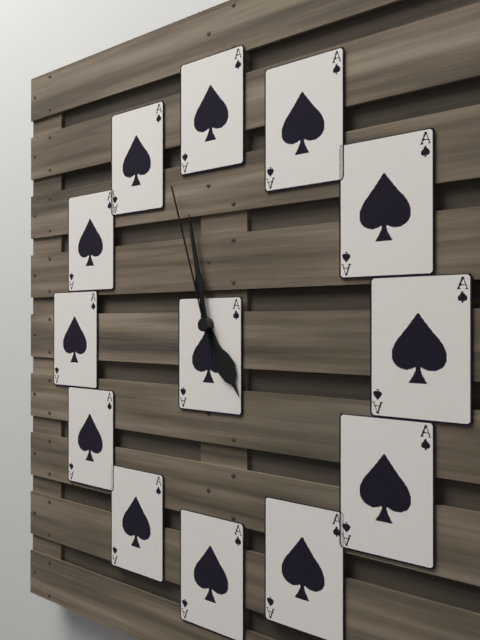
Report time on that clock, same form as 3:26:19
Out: 4:58:57
